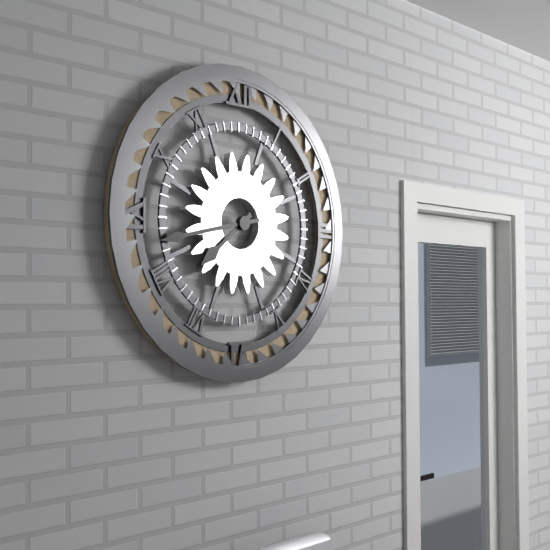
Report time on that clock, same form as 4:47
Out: 7:43
